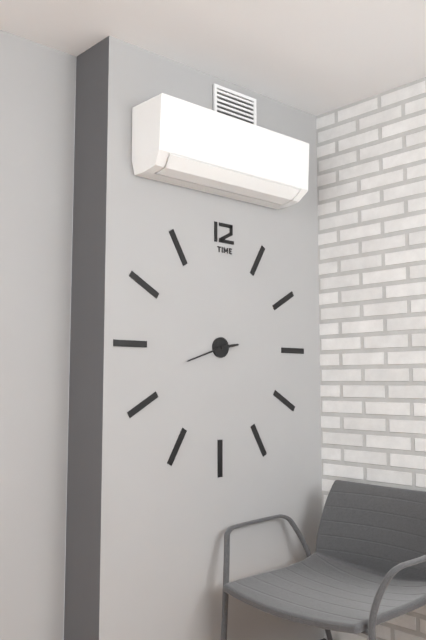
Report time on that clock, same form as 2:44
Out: 2:42
